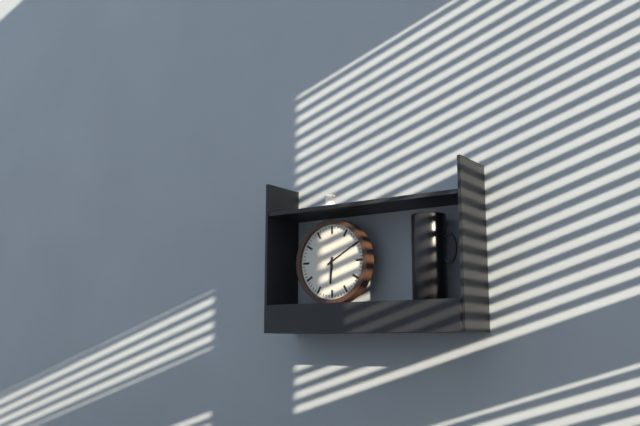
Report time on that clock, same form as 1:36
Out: 6:10
